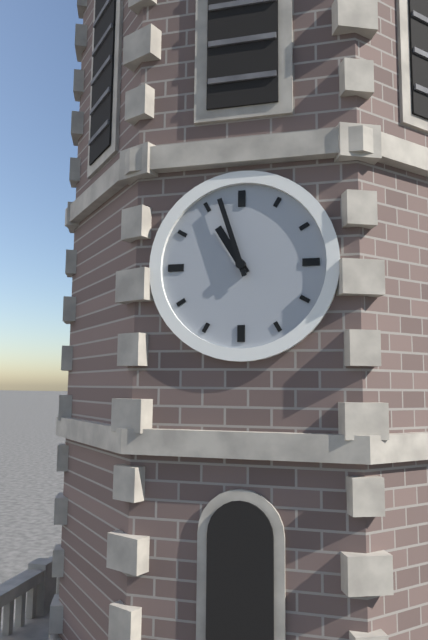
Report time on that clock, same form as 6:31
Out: 10:57
